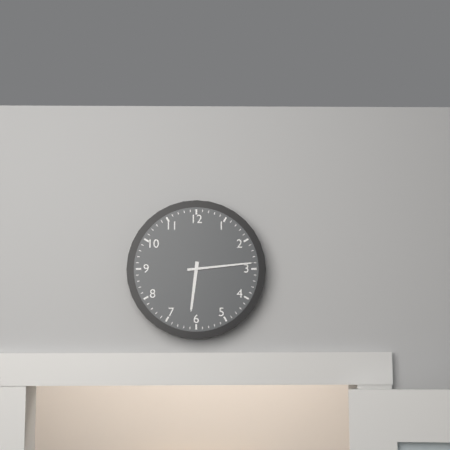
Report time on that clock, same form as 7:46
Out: 6:14
